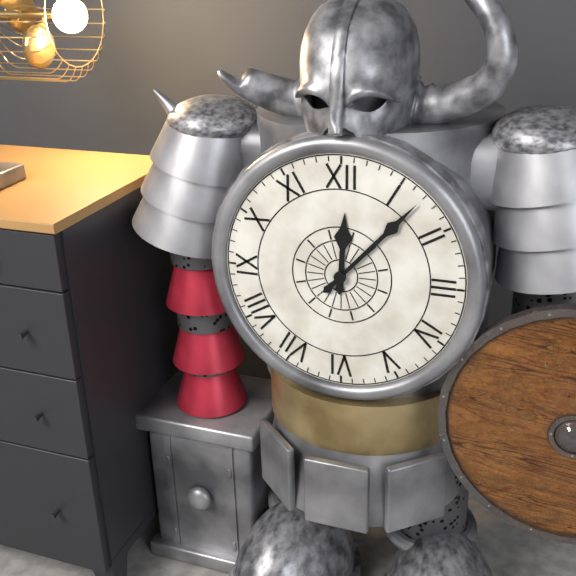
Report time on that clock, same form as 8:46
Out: 12:07
